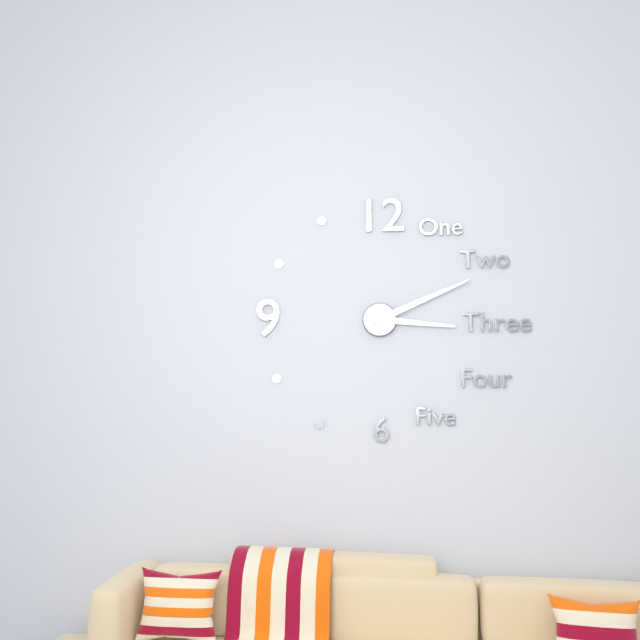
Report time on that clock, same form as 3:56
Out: 3:11
